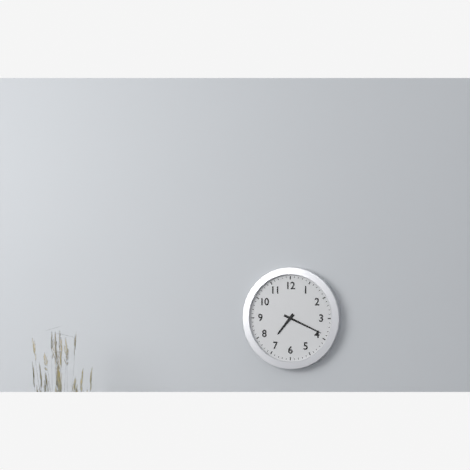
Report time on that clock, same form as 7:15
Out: 7:19
